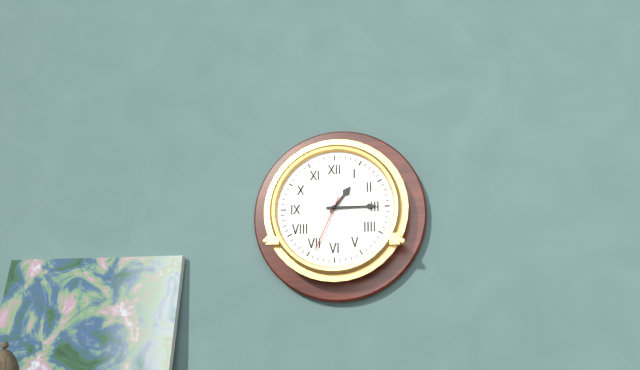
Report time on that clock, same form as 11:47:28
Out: 1:15:34
